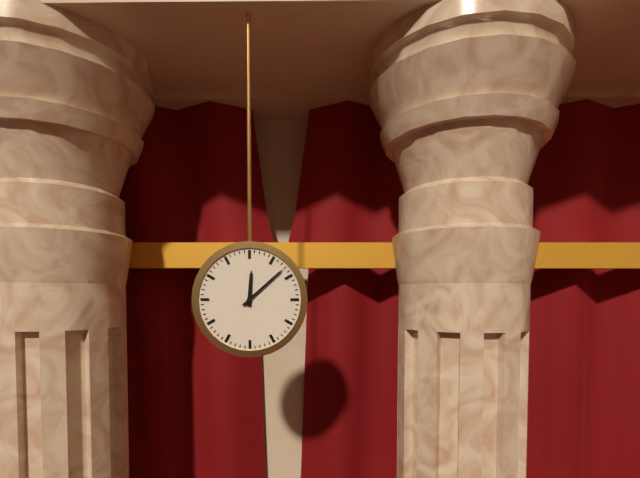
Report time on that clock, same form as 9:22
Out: 12:08
